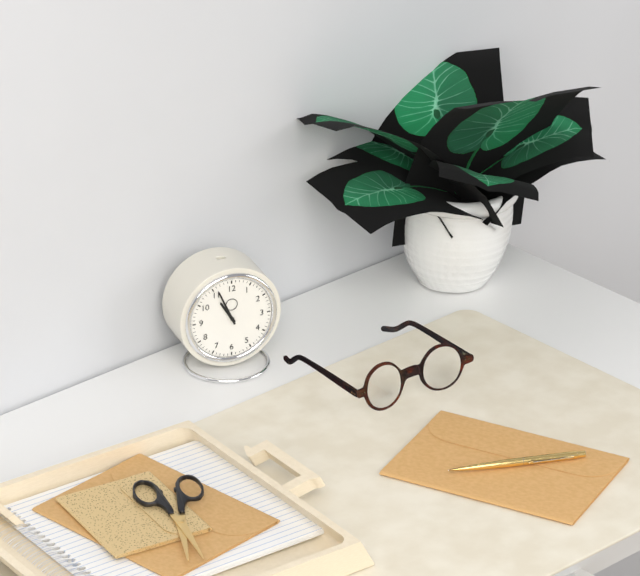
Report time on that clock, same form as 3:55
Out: 10:56
